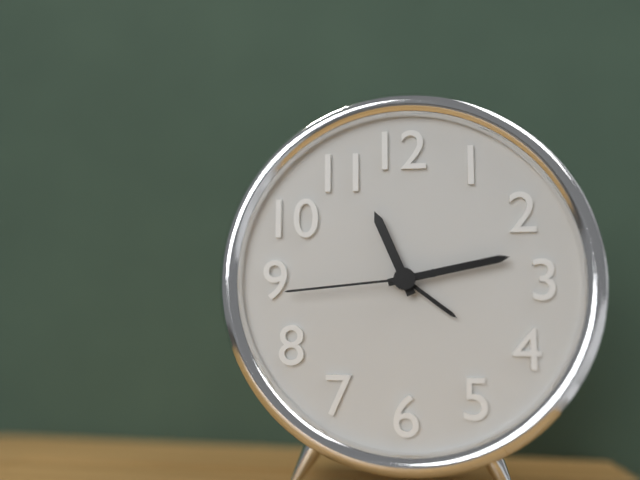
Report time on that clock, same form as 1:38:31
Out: 11:13:44
